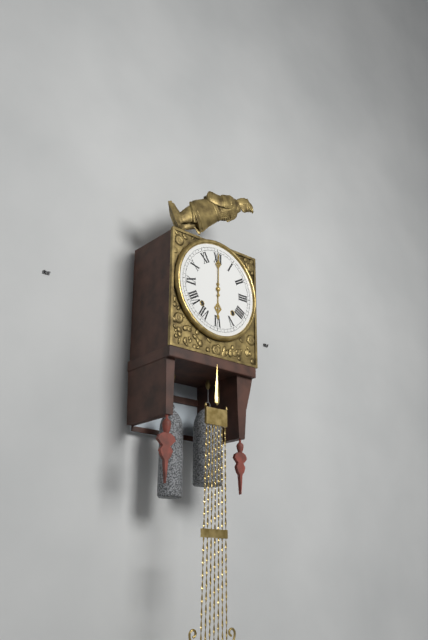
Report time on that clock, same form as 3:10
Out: 6:00
